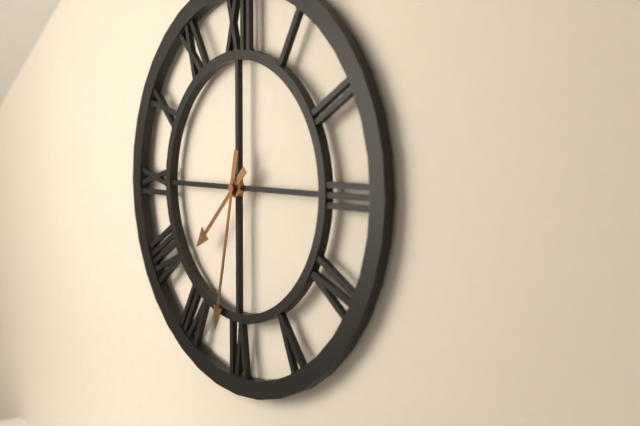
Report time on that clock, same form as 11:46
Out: 7:32
